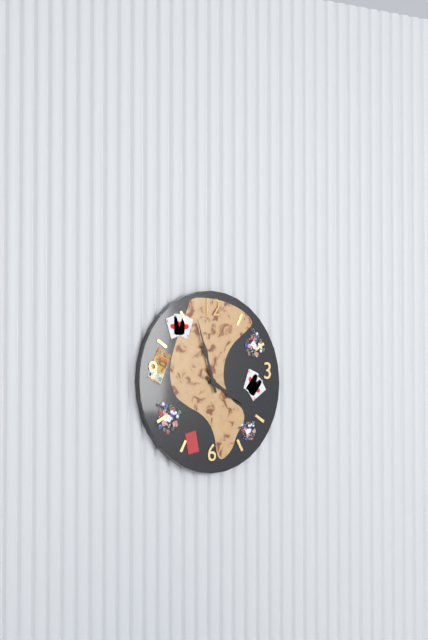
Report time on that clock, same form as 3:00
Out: 3:57
